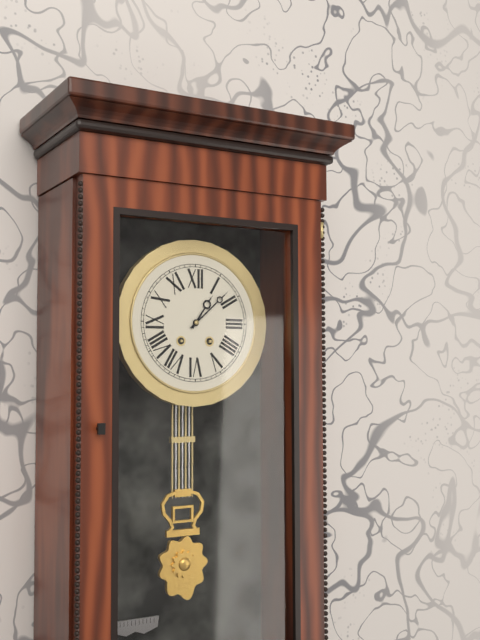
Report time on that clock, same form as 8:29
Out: 1:08
